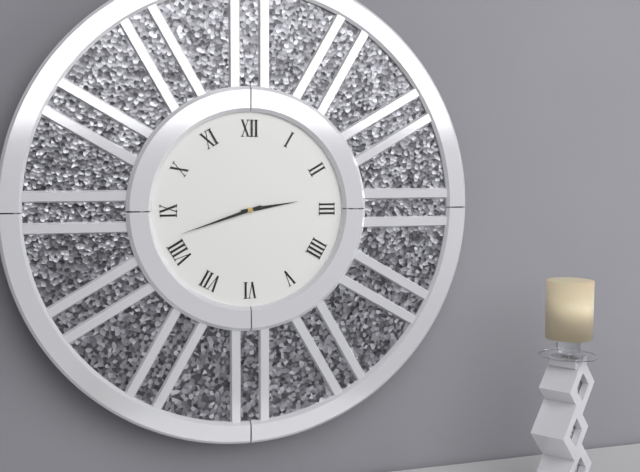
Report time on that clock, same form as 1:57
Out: 2:42
